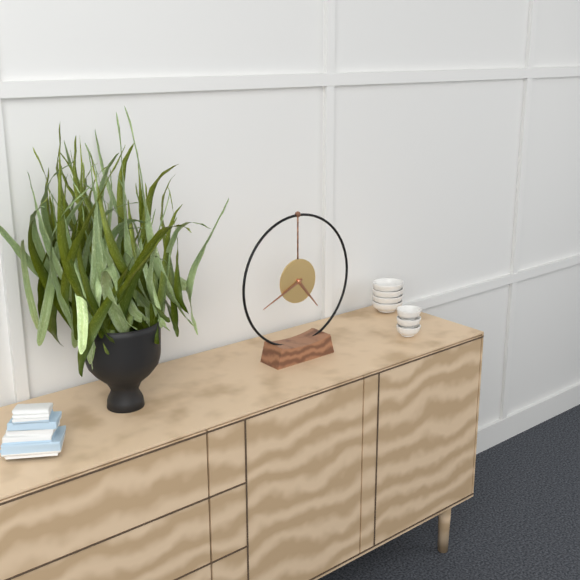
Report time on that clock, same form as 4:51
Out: 4:41
